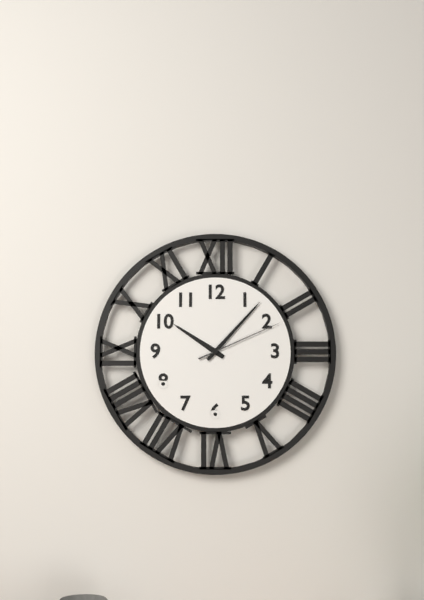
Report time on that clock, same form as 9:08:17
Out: 10:07:11
